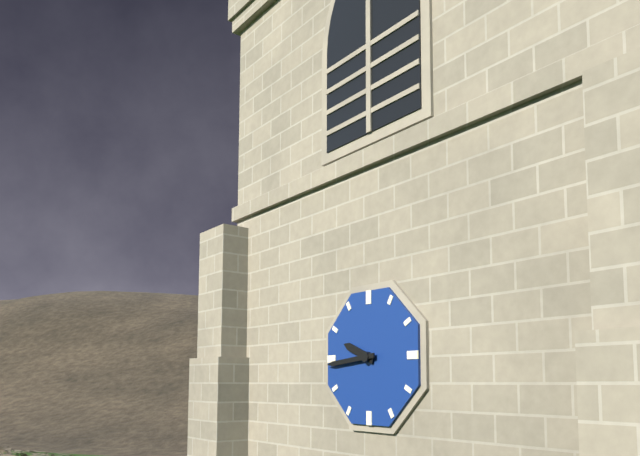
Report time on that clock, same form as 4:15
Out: 9:44
